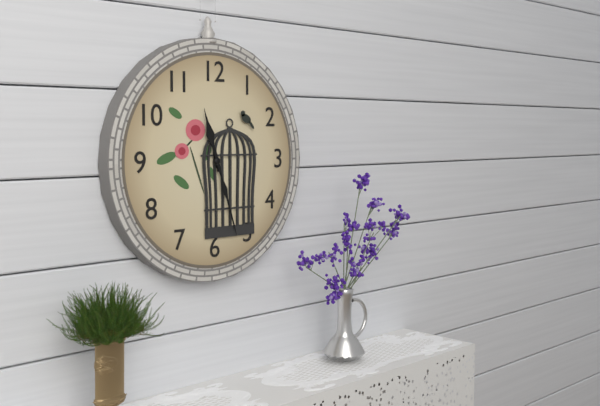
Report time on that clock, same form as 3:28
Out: 11:27
